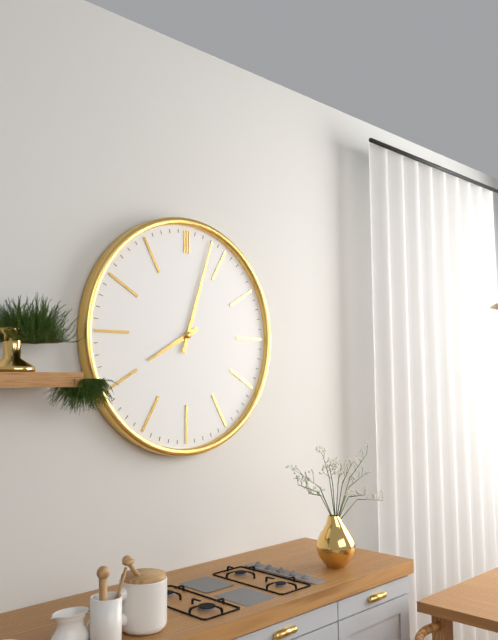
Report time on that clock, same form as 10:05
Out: 8:03
